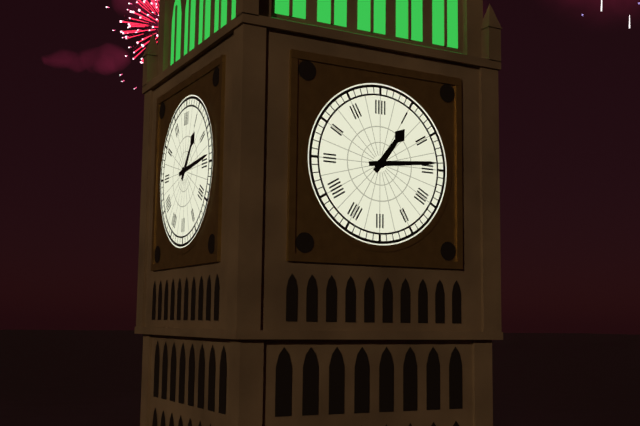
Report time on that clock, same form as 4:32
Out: 1:14
